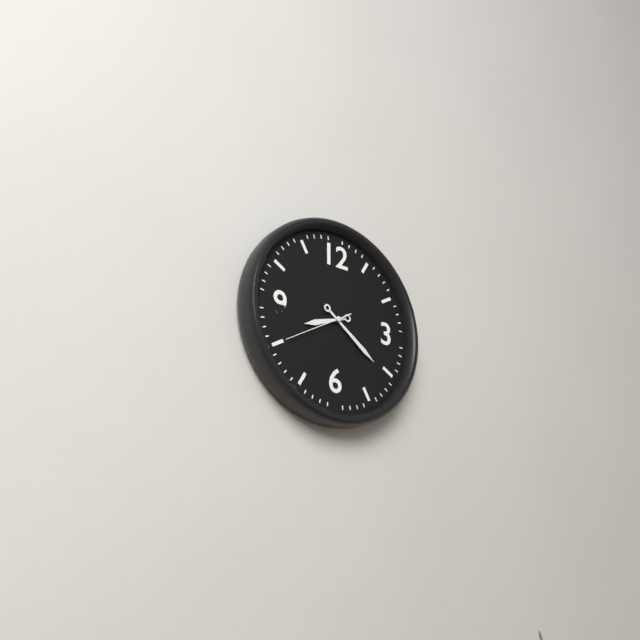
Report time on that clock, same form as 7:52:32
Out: 8:21:40
